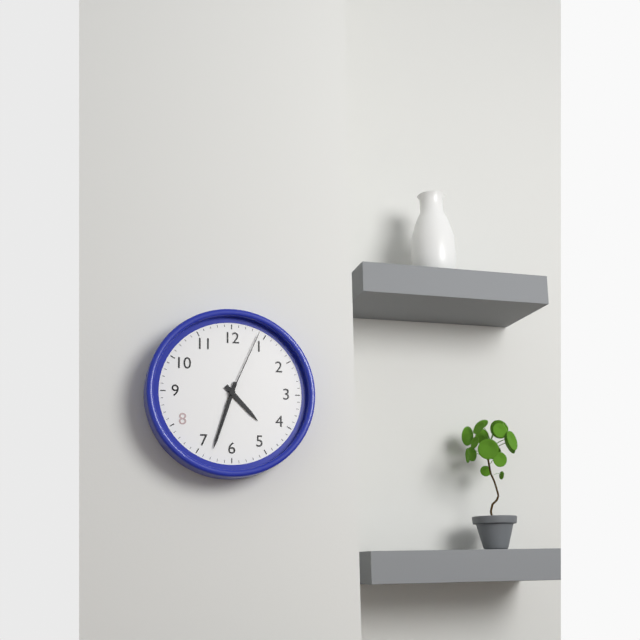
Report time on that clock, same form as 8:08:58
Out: 4:33:04
